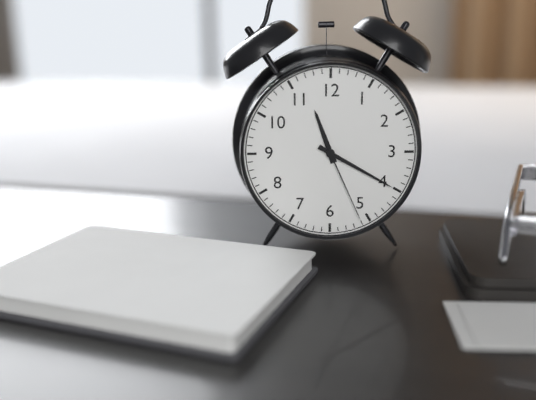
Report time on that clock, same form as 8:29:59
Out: 11:20:26
